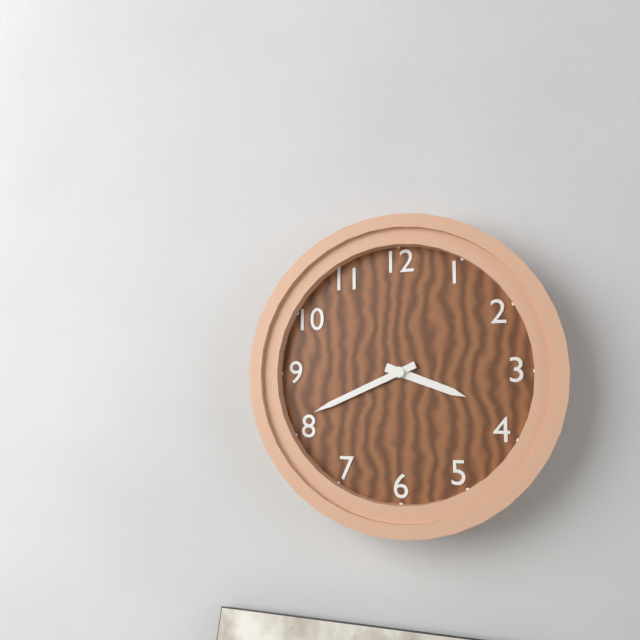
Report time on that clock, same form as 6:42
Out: 3:41
